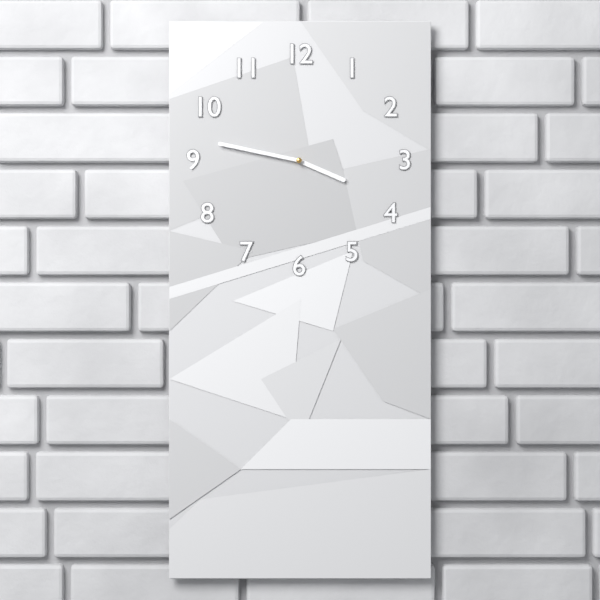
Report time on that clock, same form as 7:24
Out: 3:47
